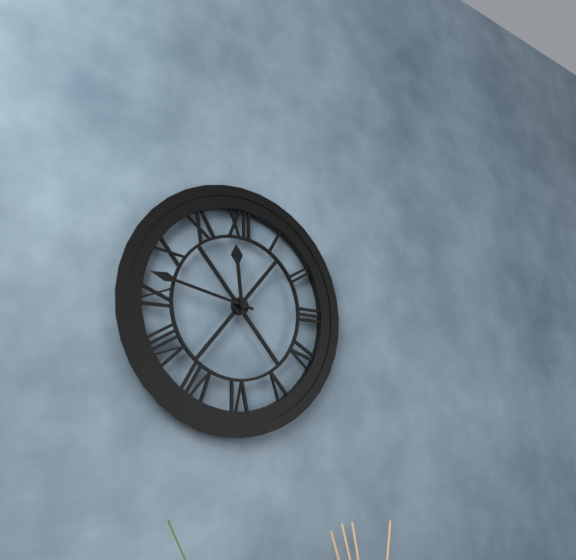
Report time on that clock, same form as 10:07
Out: 11:47
